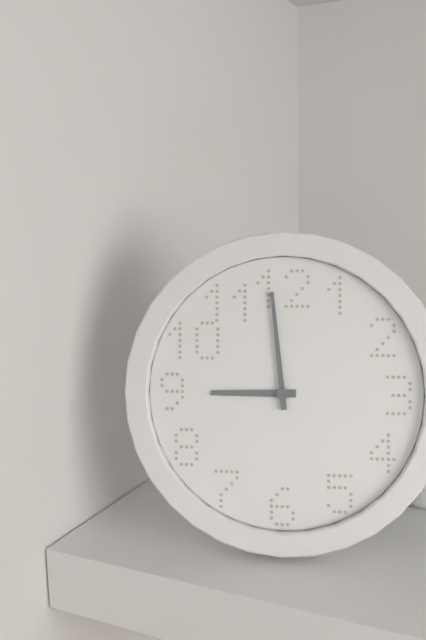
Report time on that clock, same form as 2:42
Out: 8:59
